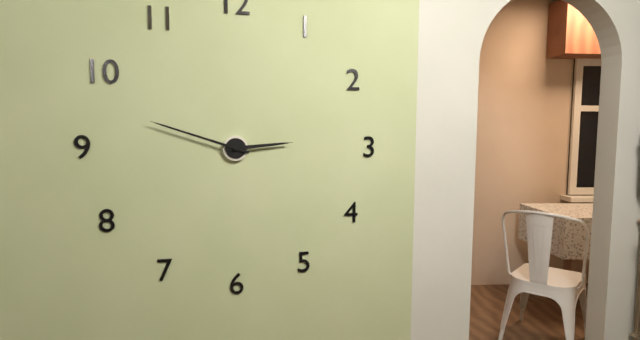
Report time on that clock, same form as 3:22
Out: 2:48
